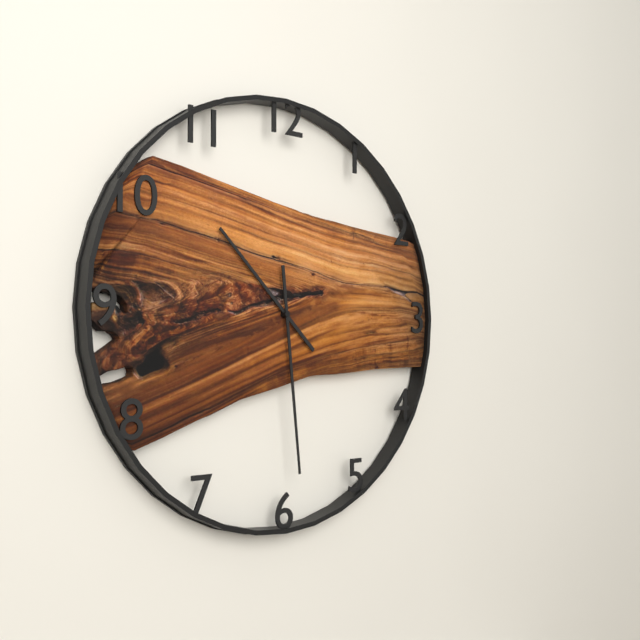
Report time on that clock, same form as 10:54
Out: 10:29
